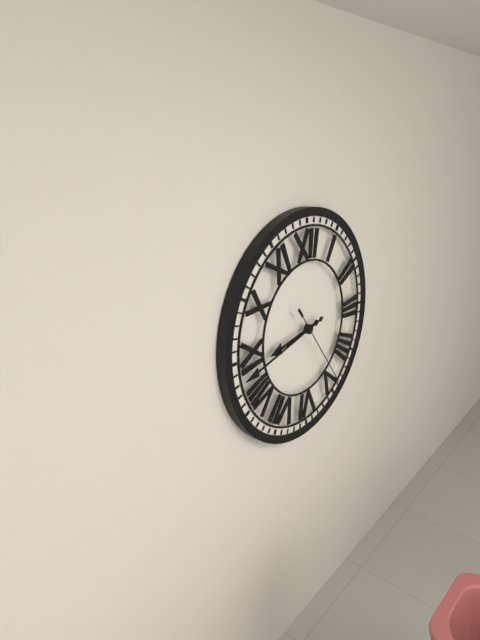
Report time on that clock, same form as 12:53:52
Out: 8:43:24
